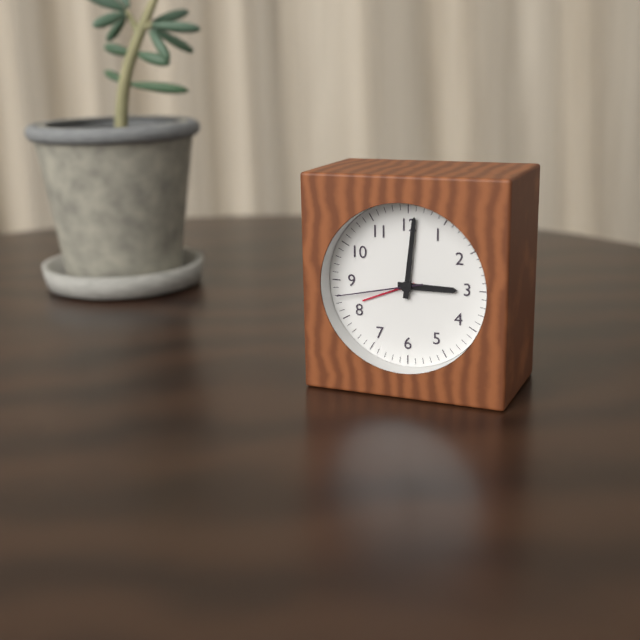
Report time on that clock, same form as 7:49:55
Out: 3:01:43
